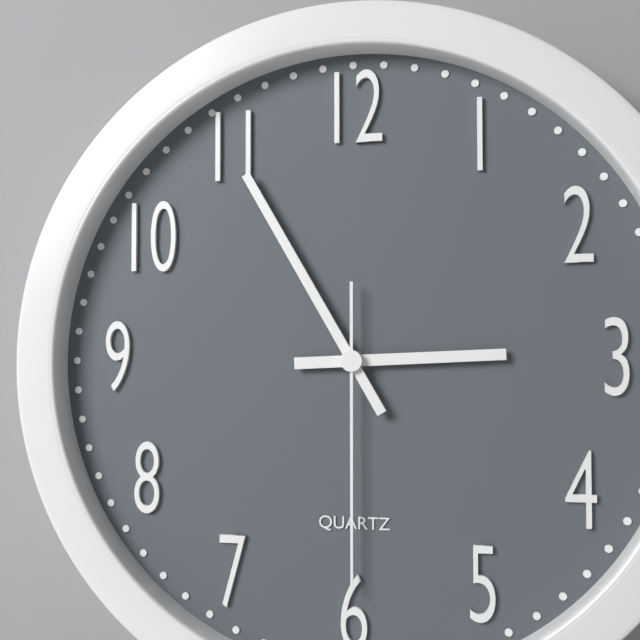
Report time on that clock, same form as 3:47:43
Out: 2:55:30
